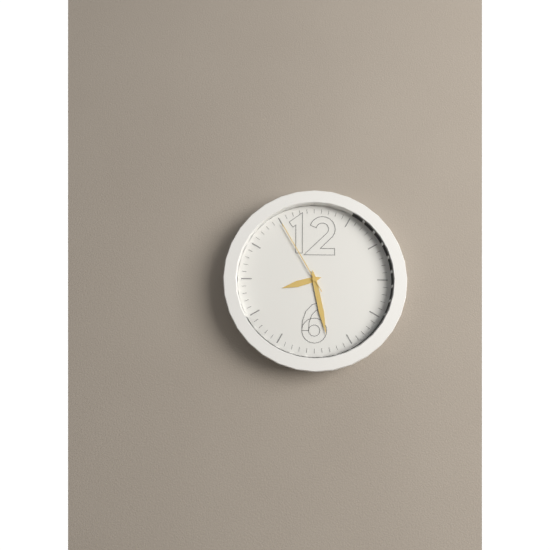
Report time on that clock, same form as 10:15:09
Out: 8:28:55
